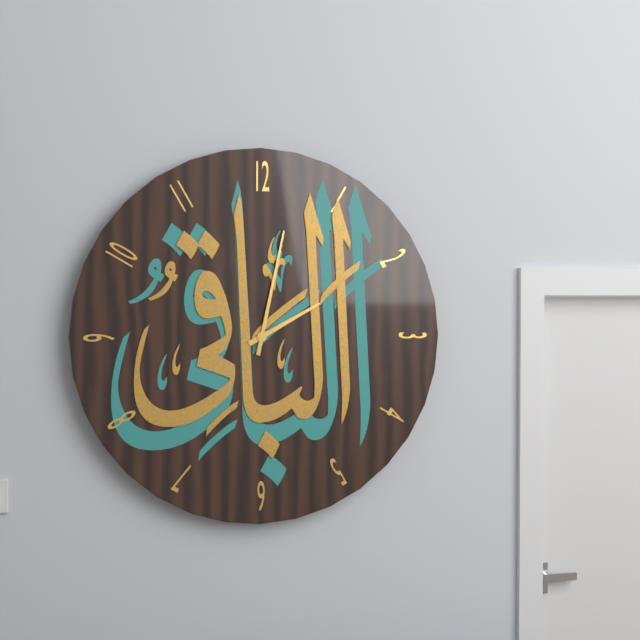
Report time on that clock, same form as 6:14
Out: 2:02
